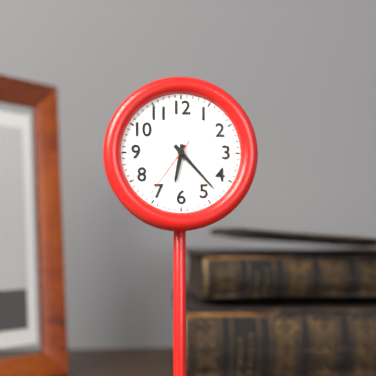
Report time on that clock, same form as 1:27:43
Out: 6:23:36
